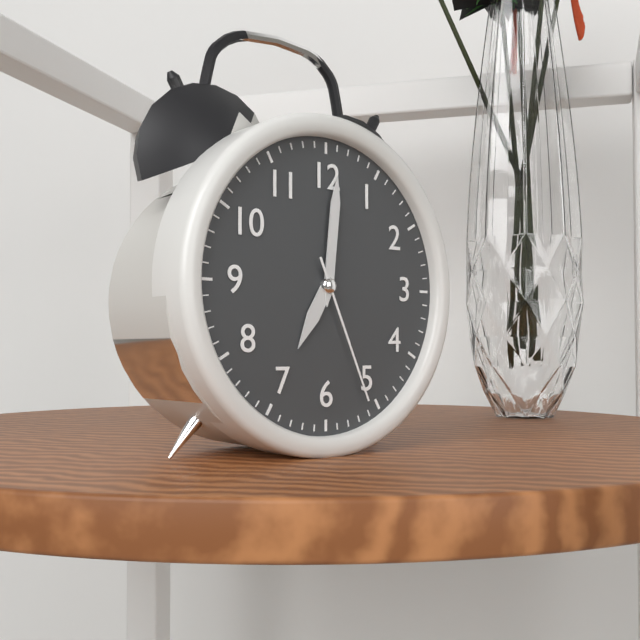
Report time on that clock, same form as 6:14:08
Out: 7:01:26
